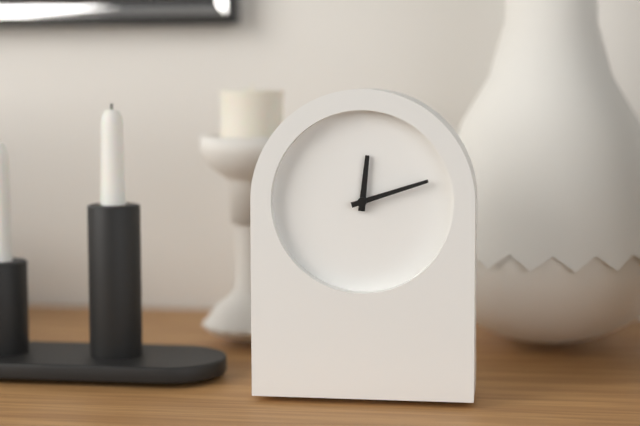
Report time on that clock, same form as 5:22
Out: 12:12
